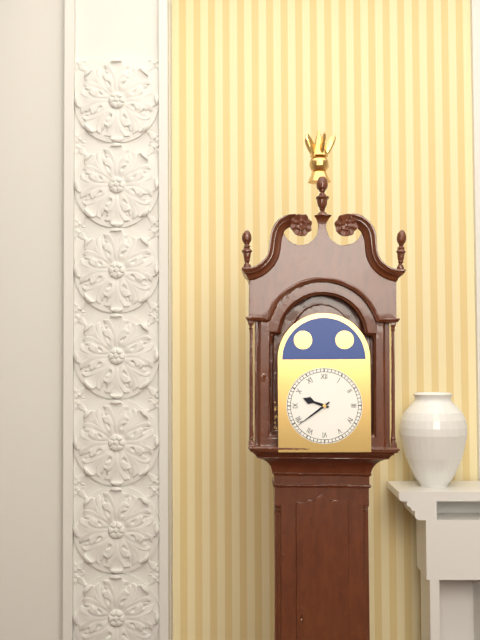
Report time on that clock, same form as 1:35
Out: 9:39
